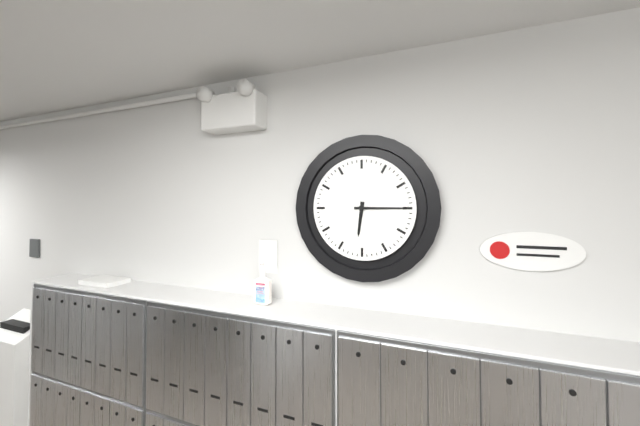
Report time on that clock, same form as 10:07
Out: 6:15
